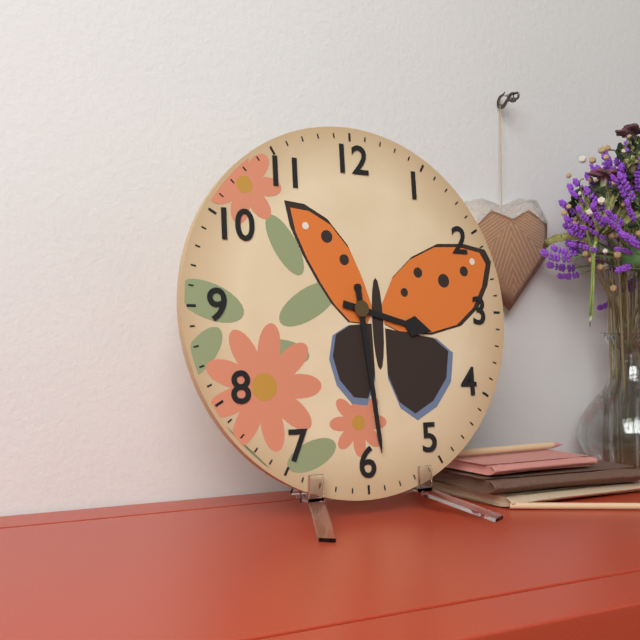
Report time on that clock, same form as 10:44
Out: 3:29
